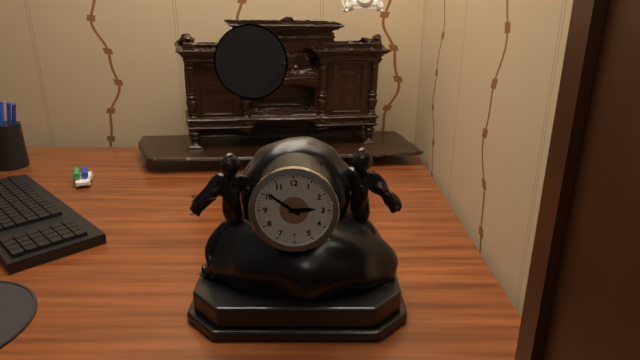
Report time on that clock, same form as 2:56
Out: 2:51
